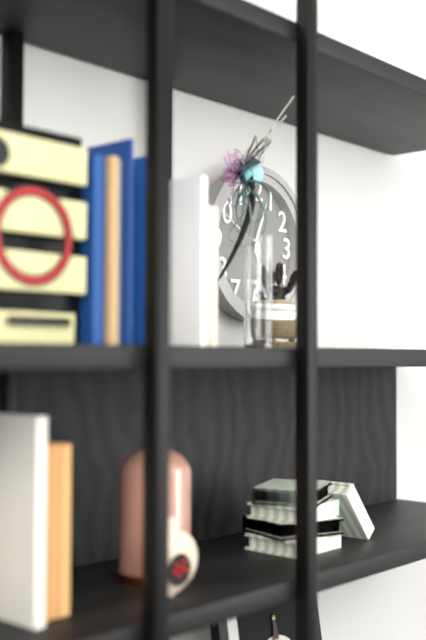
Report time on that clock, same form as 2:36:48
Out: 5:04:50
